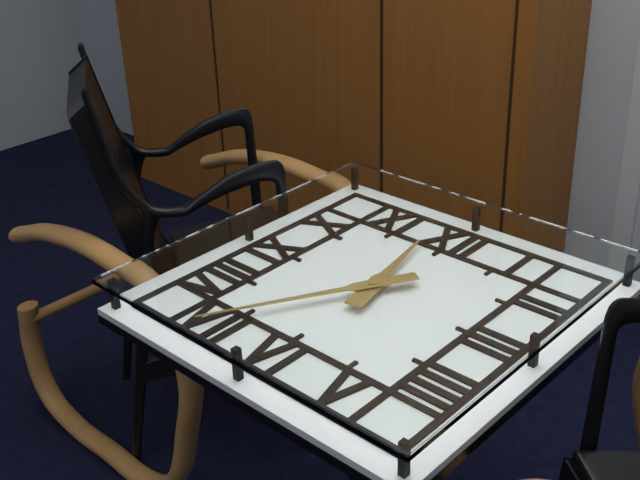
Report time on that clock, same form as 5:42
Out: 11:35
